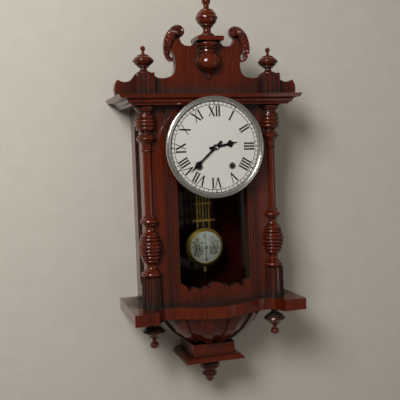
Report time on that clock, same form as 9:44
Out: 2:38
